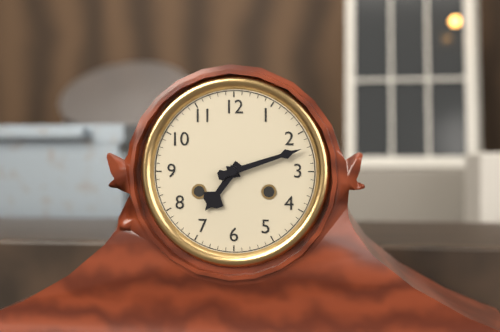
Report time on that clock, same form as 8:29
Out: 7:12
